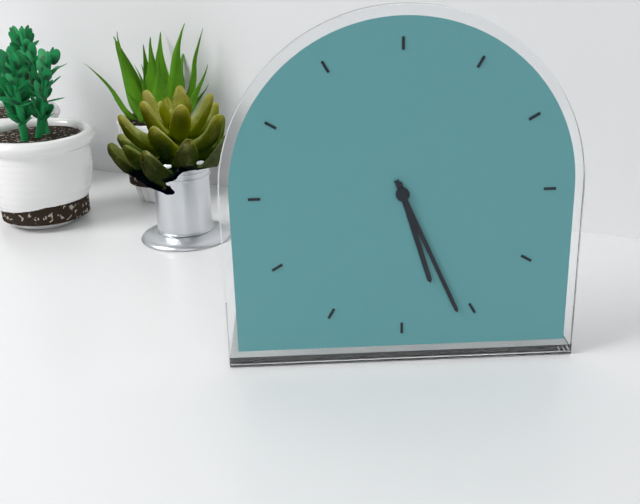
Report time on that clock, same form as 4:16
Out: 5:26
